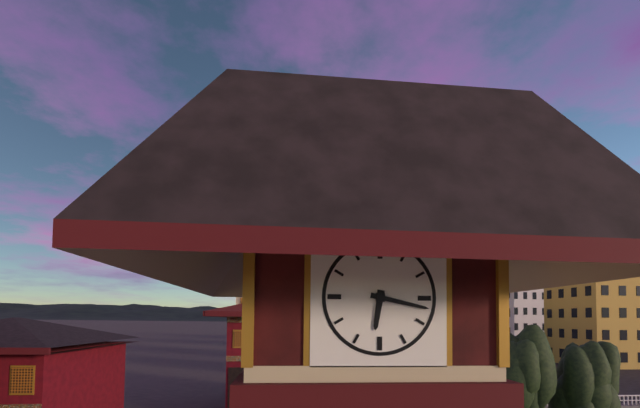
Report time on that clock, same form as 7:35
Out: 6:17
